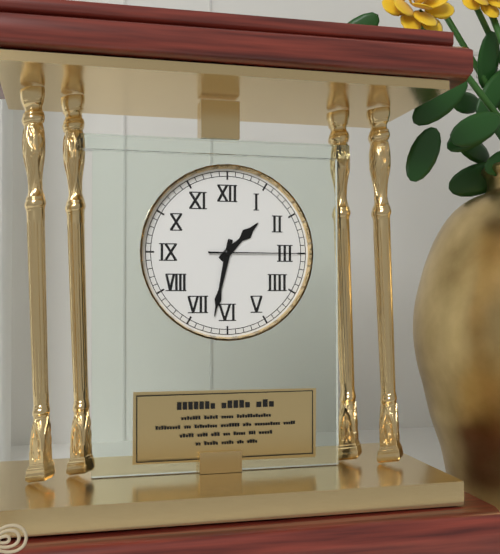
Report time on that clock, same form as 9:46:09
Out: 1:32:15
